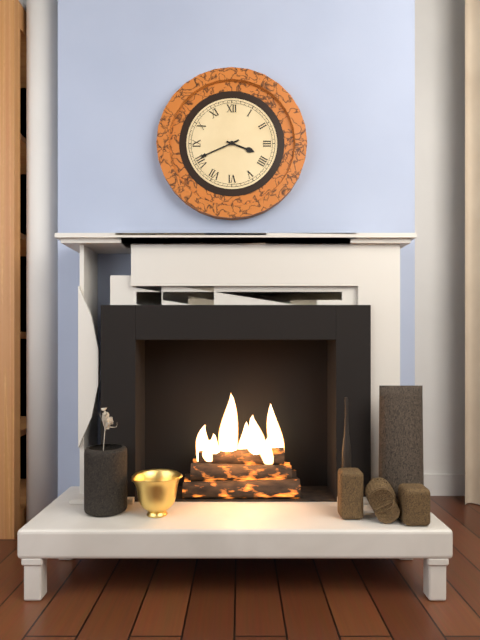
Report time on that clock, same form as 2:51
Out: 3:41
